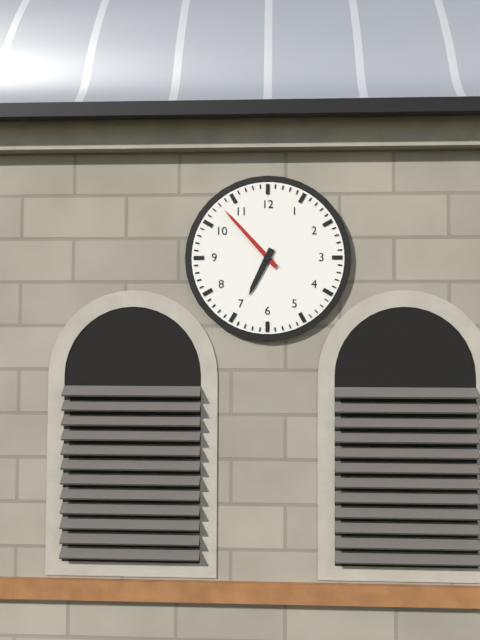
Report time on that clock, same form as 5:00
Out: 6:53
